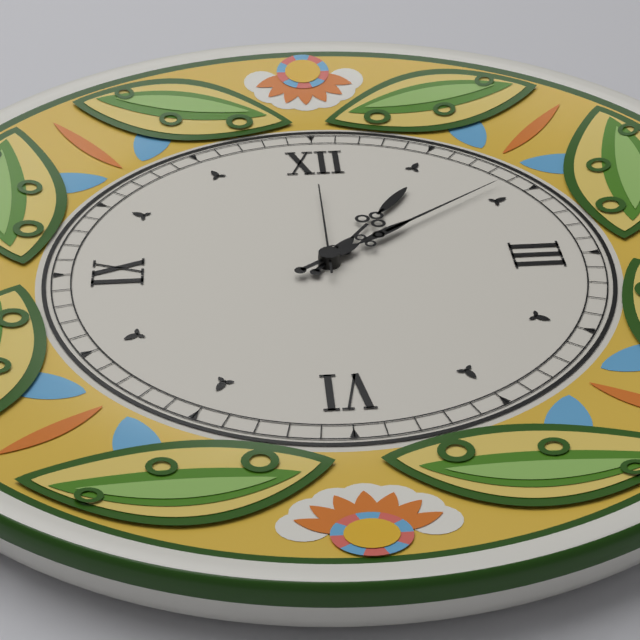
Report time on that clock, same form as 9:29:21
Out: 1:09:00
